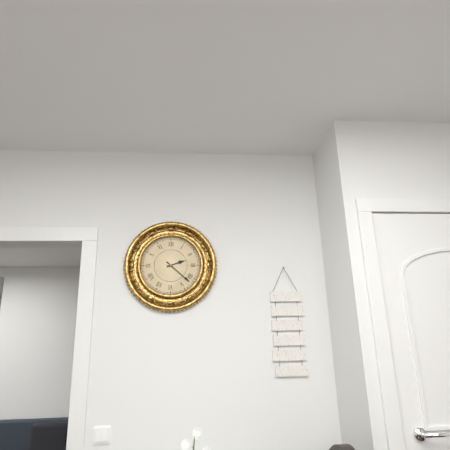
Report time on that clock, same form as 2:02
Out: 2:22
